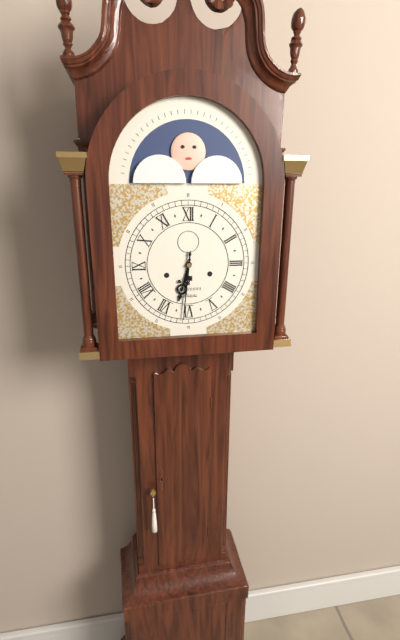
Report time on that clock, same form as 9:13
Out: 6:31
